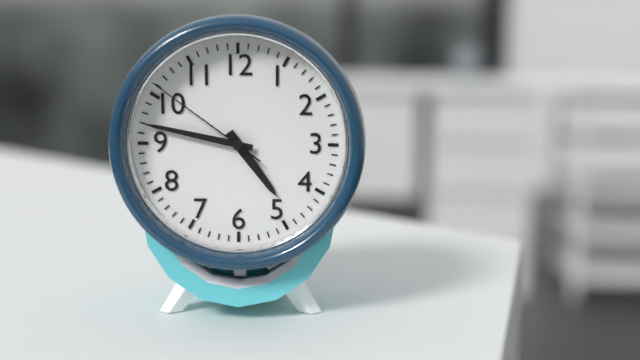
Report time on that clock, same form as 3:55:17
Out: 4:47:51
